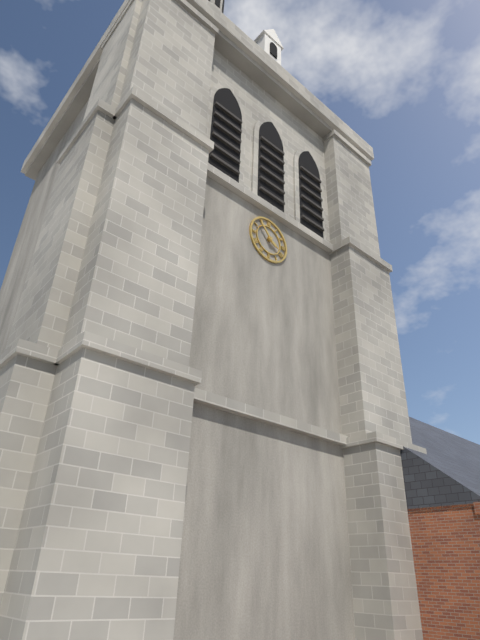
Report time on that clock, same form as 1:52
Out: 3:53
